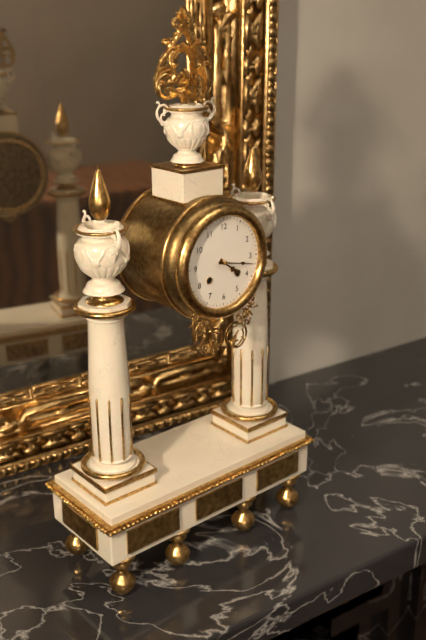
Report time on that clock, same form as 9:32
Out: 4:17
